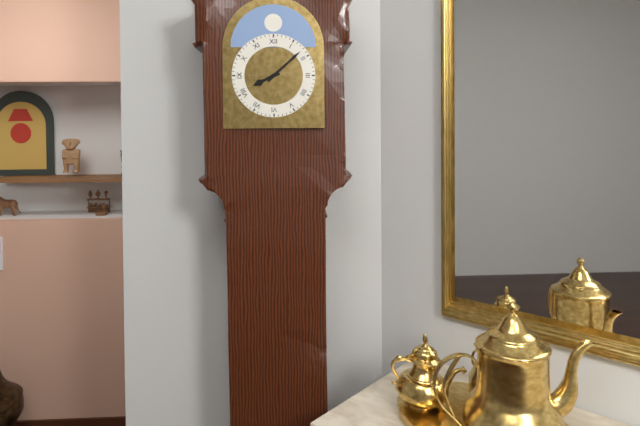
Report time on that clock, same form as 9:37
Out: 8:08
